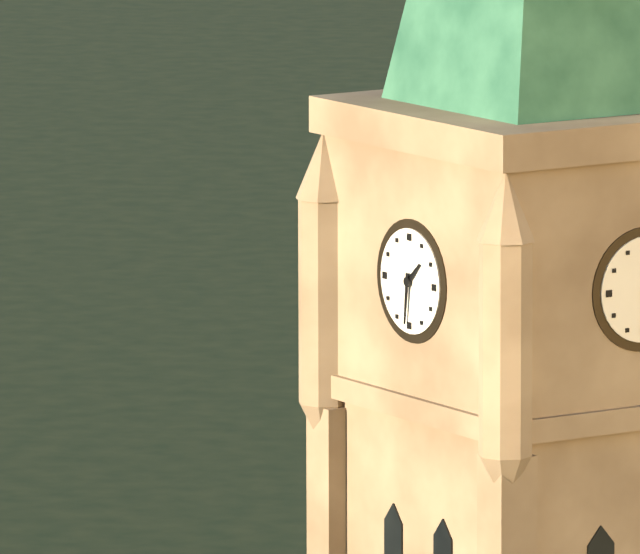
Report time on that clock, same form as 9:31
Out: 1:31
